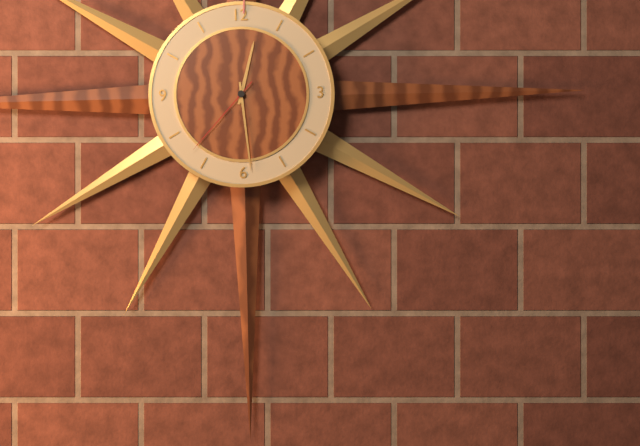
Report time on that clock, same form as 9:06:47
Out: 12:29:37
